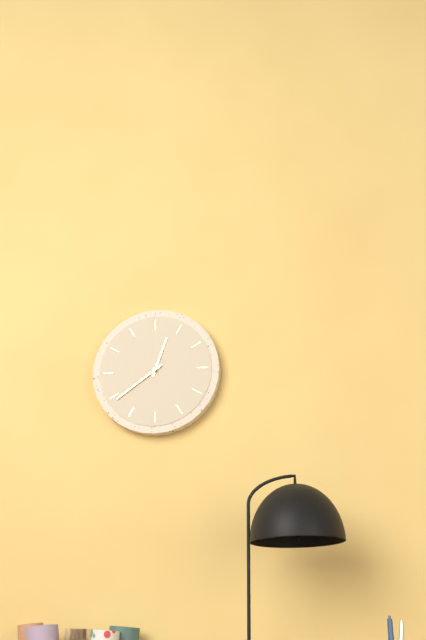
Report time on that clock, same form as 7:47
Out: 12:39
